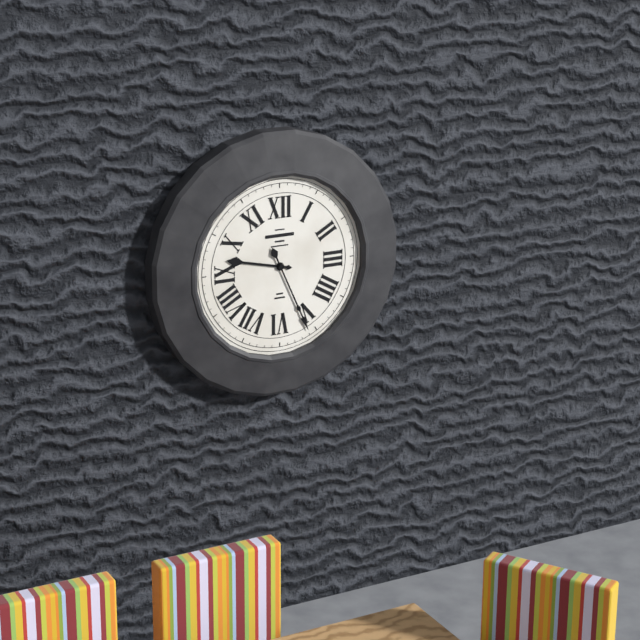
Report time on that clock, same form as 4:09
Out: 9:26
